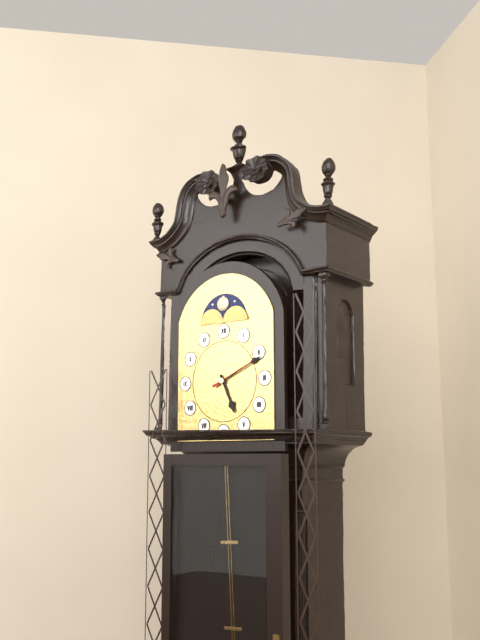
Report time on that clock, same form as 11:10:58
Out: 5:11:11
